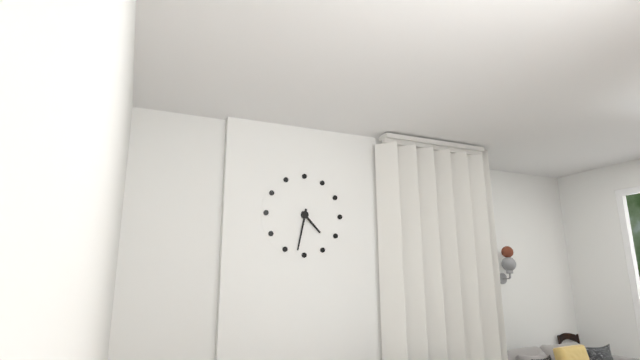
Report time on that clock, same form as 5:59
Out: 4:32
